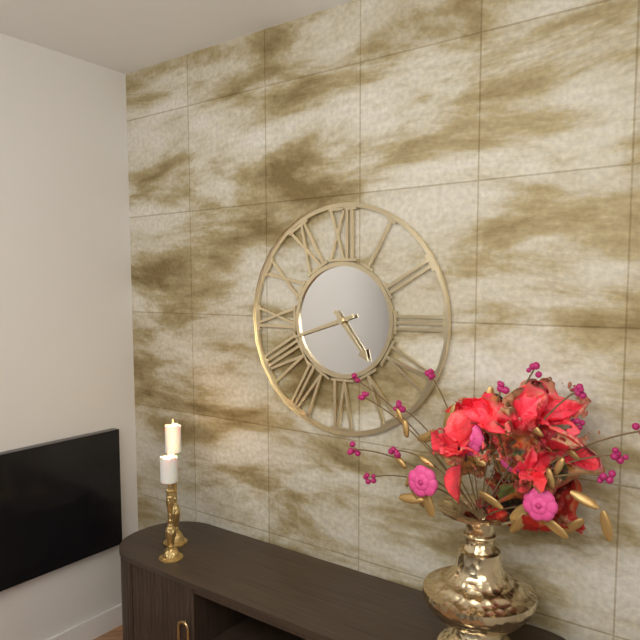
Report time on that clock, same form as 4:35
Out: 4:42
